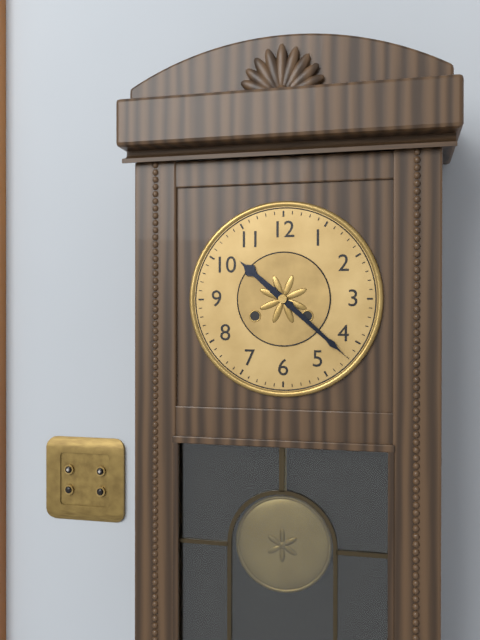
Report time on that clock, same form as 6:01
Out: 10:22
